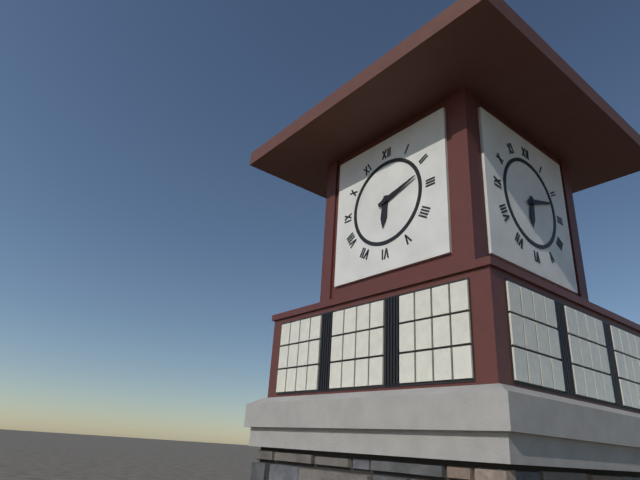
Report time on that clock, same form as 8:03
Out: 6:12
